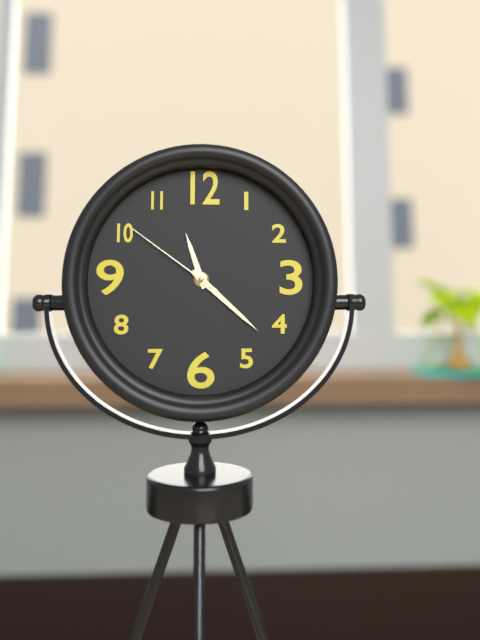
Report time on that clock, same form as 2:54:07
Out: 11:22:51
